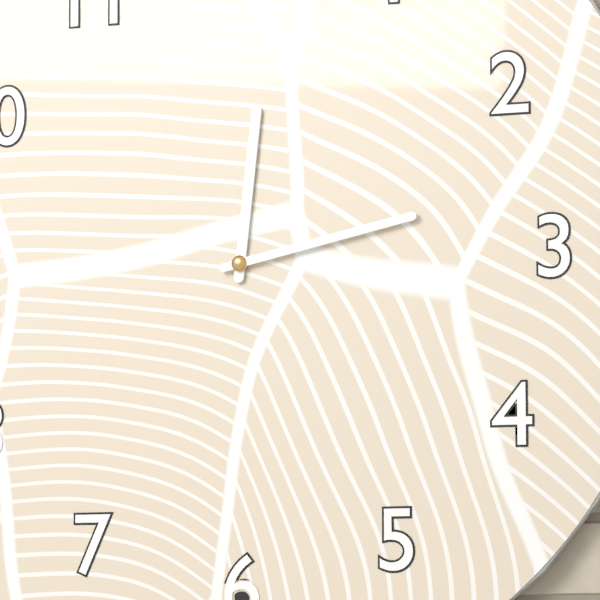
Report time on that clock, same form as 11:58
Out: 12:13
